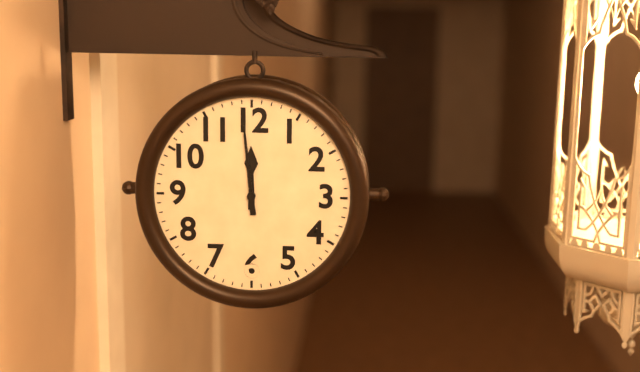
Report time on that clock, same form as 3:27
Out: 11:59
